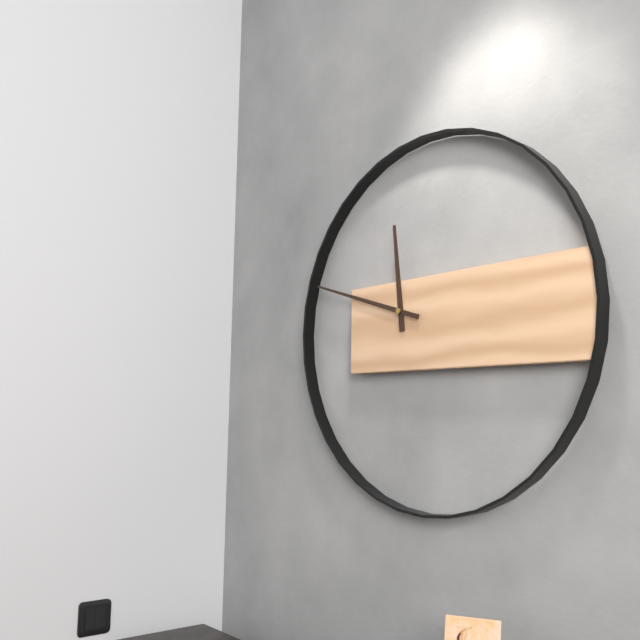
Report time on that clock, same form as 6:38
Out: 11:48
